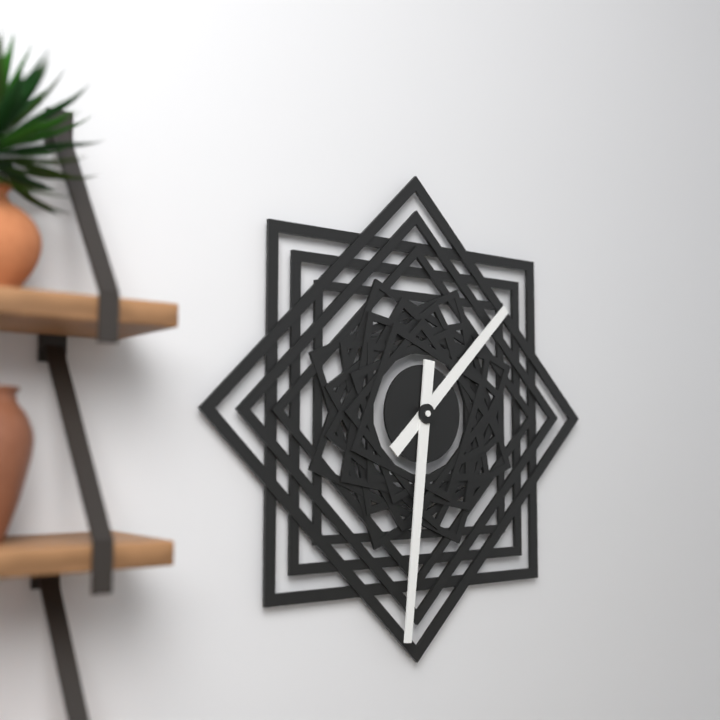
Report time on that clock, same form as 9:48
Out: 1:31
